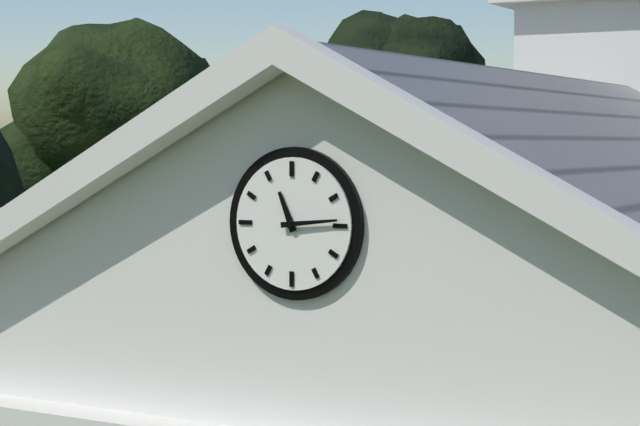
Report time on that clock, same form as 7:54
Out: 11:14
